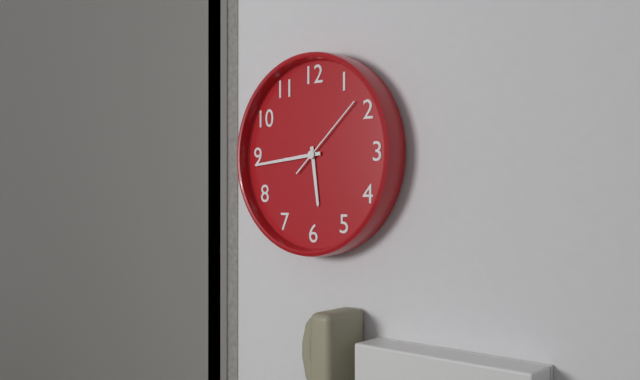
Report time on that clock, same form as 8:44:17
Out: 5:44:08
